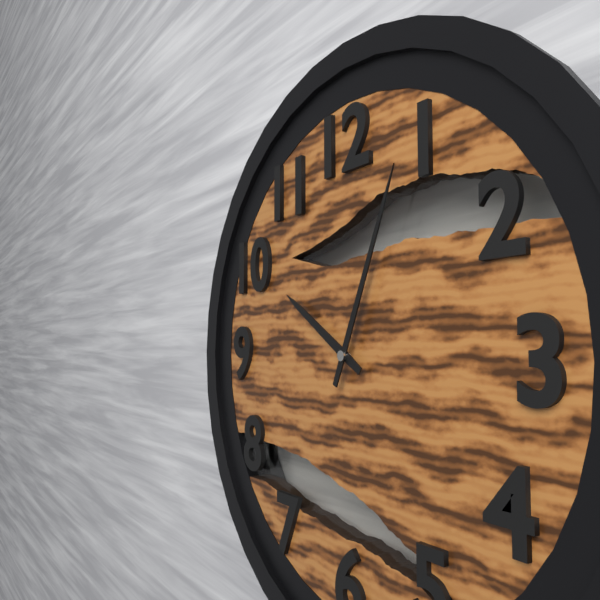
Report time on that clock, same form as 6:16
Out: 10:04
